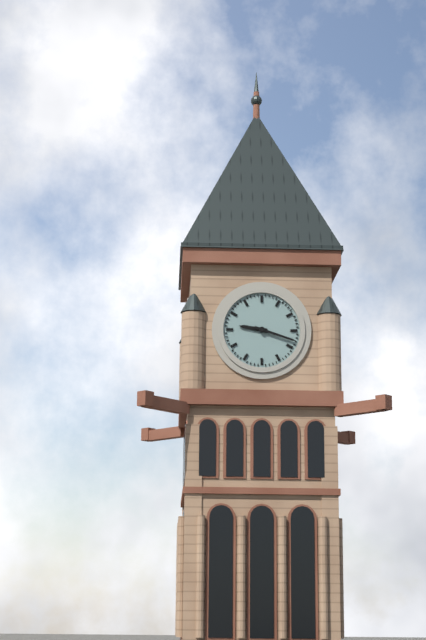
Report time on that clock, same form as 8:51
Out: 9:18
